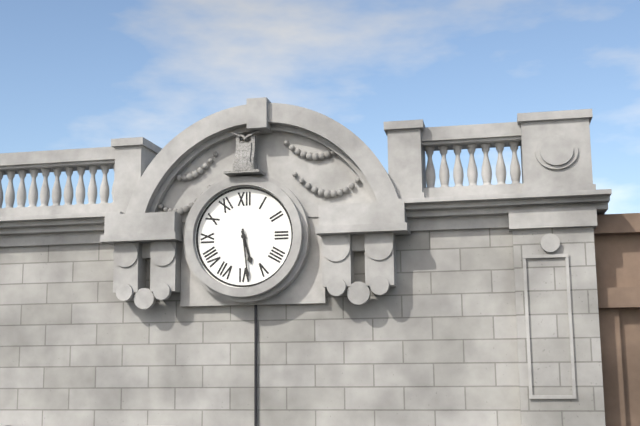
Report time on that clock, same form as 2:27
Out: 5:29
